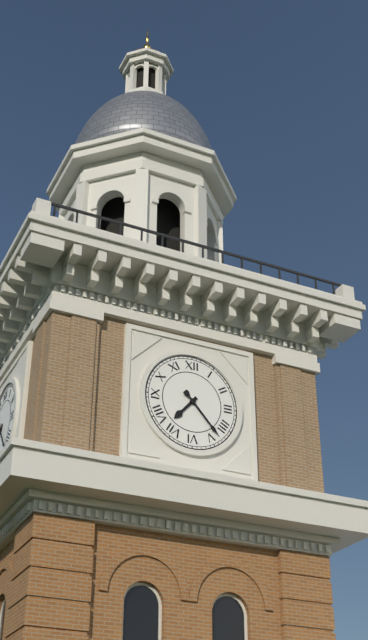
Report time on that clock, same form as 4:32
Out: 7:23
